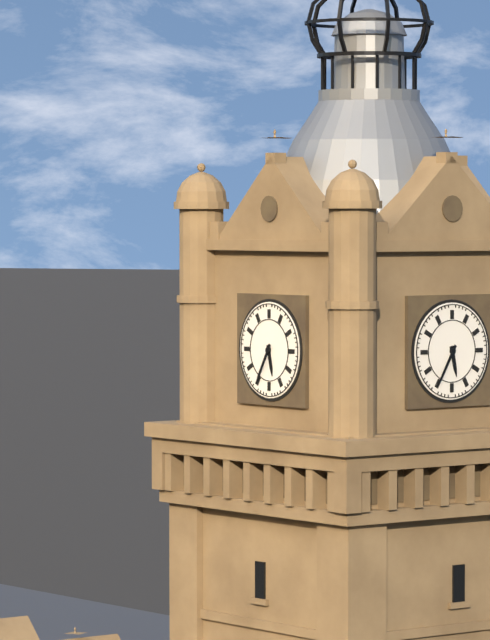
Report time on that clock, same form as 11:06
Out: 5:35
